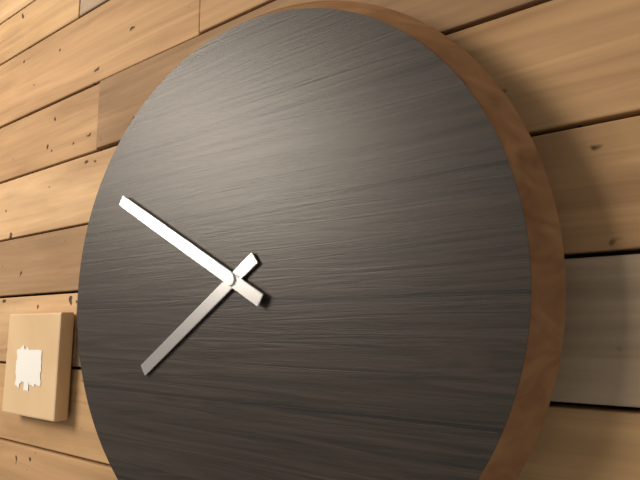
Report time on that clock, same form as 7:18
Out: 7:50
